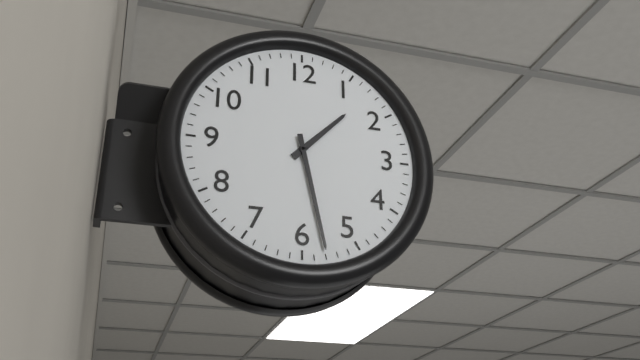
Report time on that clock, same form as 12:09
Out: 1:28
